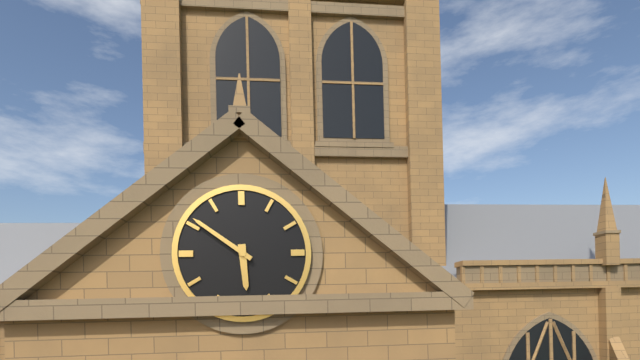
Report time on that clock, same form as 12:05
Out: 5:51
